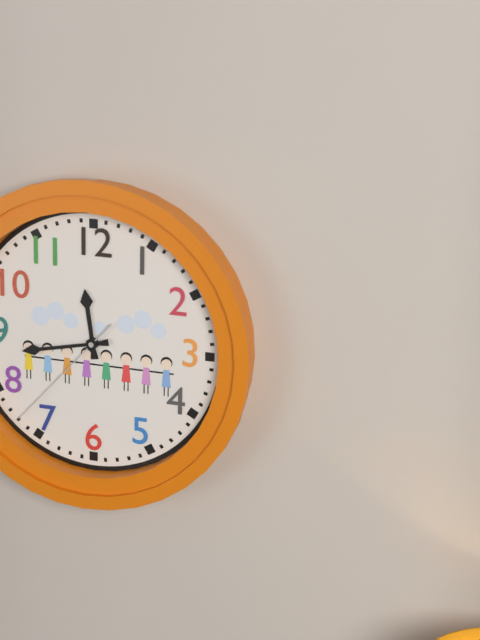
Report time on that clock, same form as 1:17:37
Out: 11:43:37
